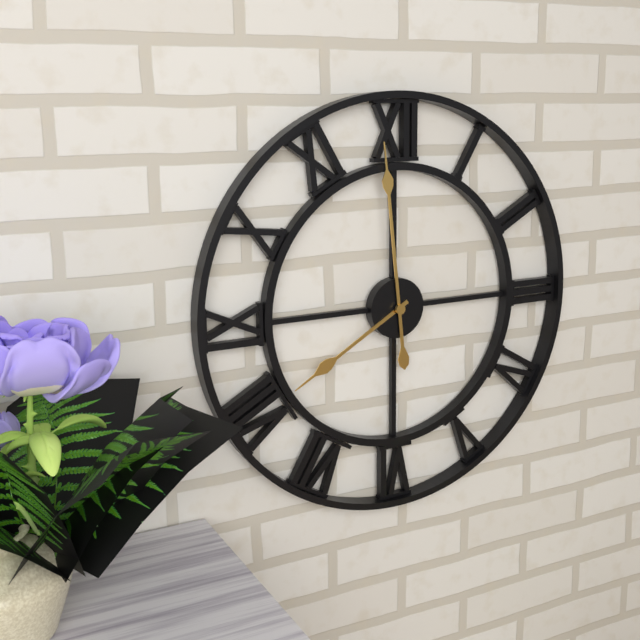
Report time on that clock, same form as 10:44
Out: 7:59
